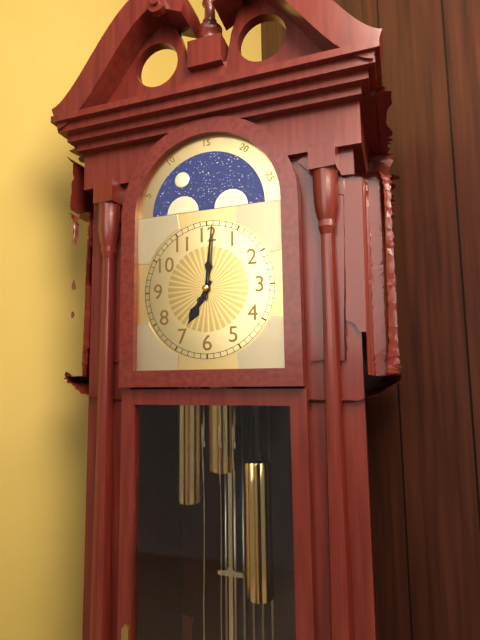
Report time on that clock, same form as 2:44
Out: 7:01
